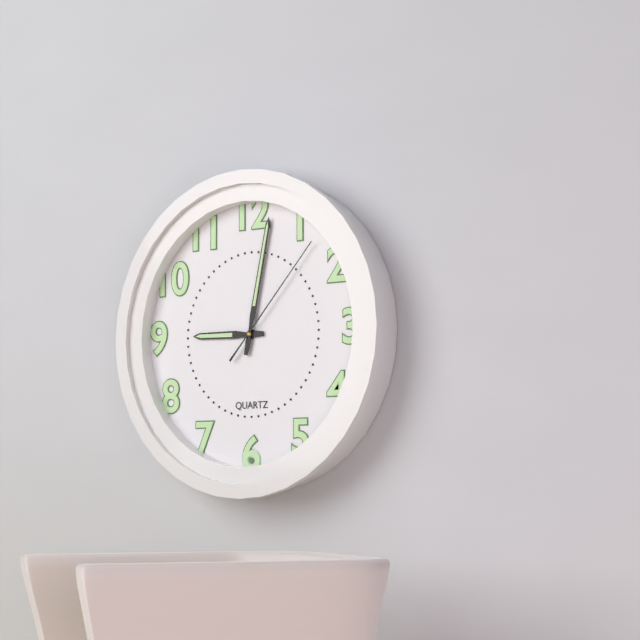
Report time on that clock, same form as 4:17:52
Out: 9:02:07
